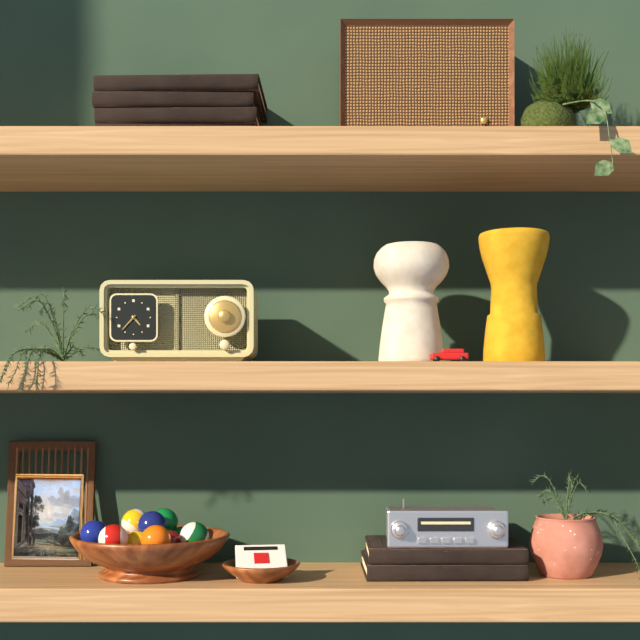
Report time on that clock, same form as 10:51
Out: 4:37
